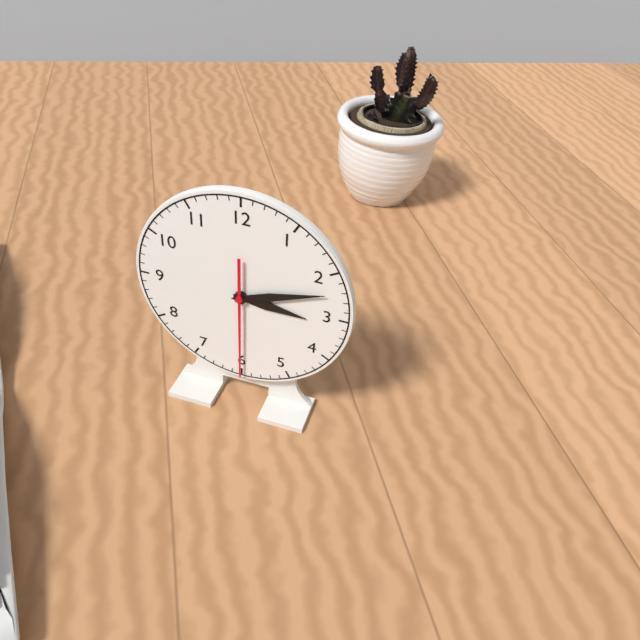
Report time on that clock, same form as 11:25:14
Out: 3:12:30
